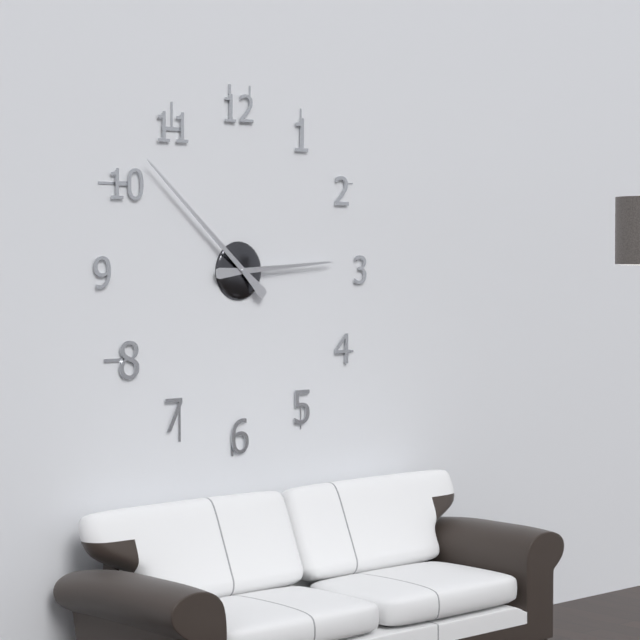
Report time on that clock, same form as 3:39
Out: 2:52
